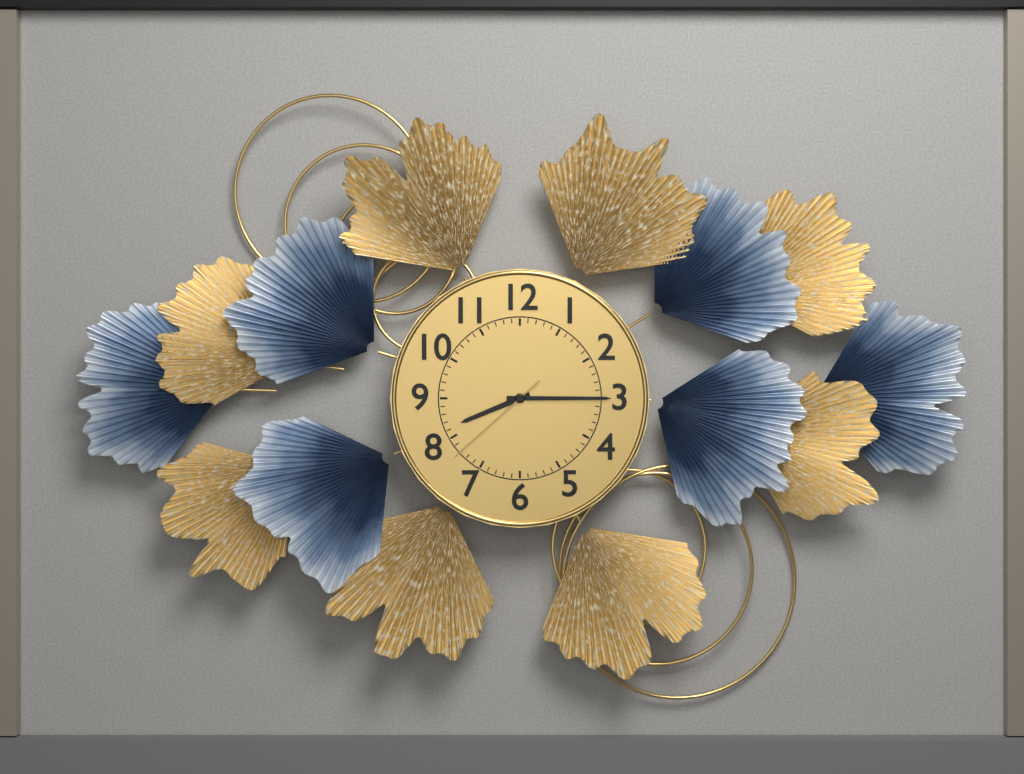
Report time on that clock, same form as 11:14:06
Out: 8:15:38
